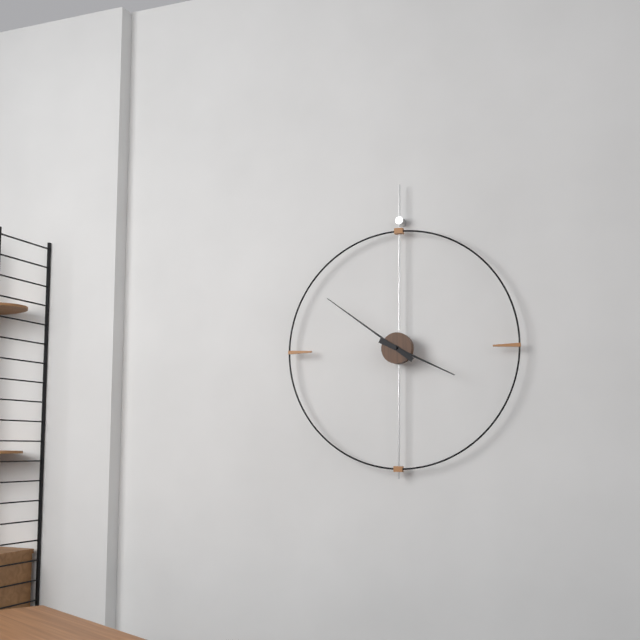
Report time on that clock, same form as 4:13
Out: 3:51
